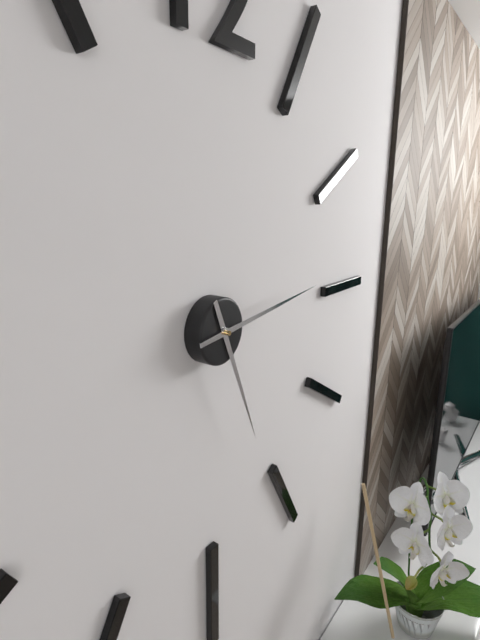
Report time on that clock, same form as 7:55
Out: 5:14
